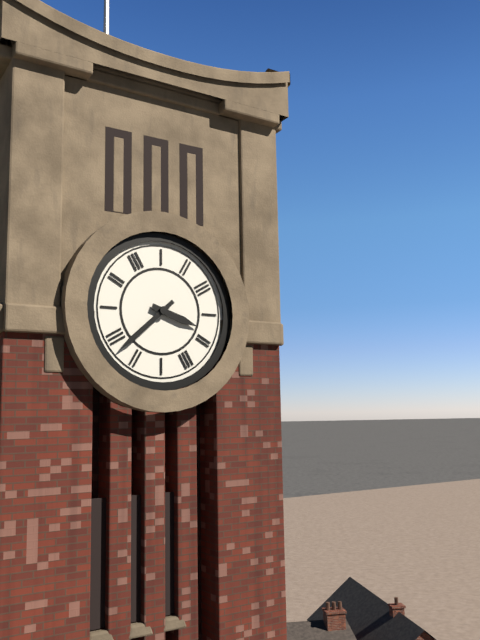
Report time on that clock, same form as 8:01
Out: 3:38
